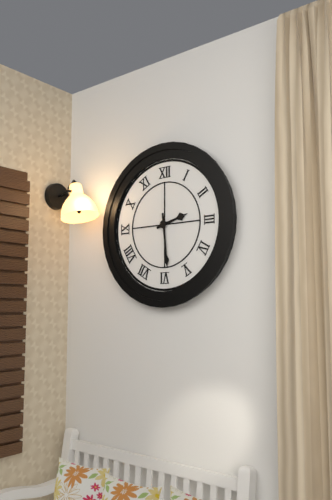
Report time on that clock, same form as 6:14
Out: 2:29
